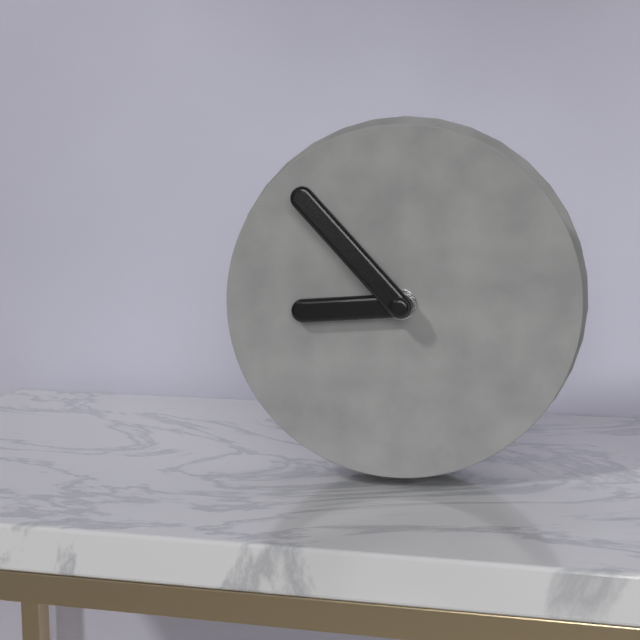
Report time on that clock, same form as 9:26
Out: 8:53
